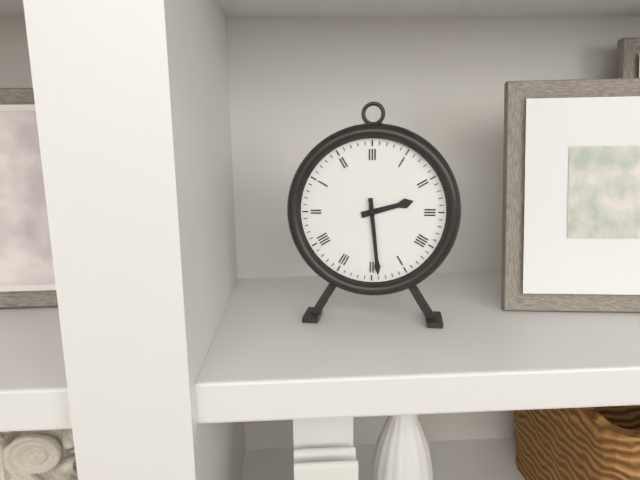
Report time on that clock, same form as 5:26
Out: 2:29
